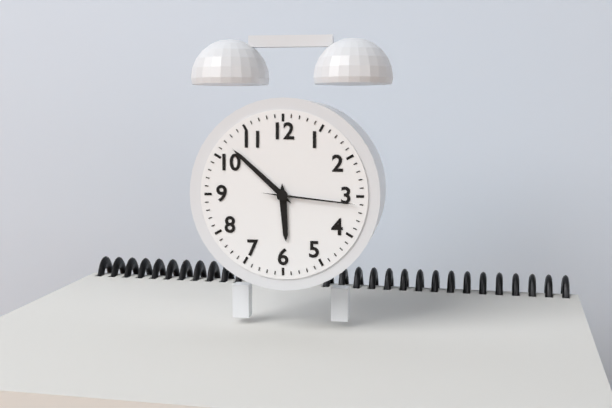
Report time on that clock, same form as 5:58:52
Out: 5:52:16
